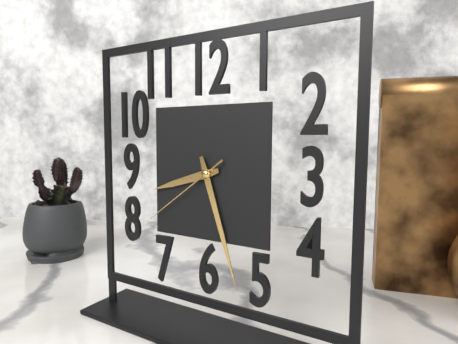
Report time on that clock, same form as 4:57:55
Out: 8:27:39
